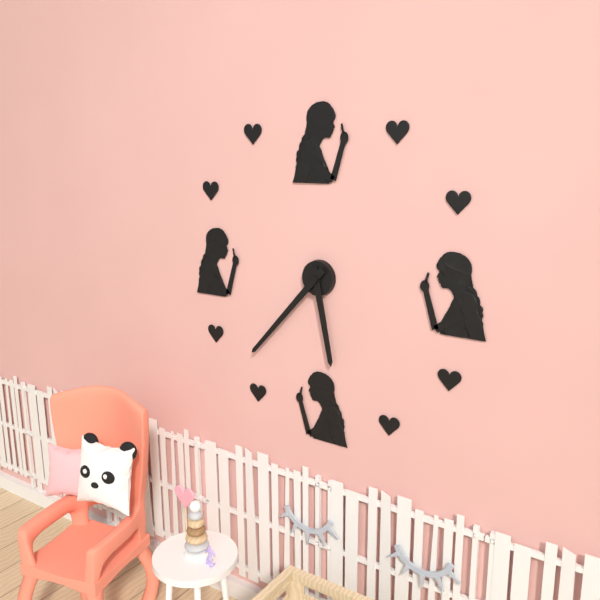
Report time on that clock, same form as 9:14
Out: 5:37
